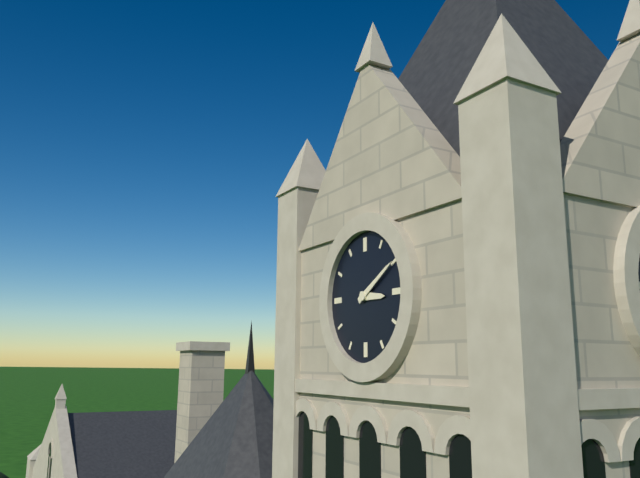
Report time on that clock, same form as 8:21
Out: 3:10
